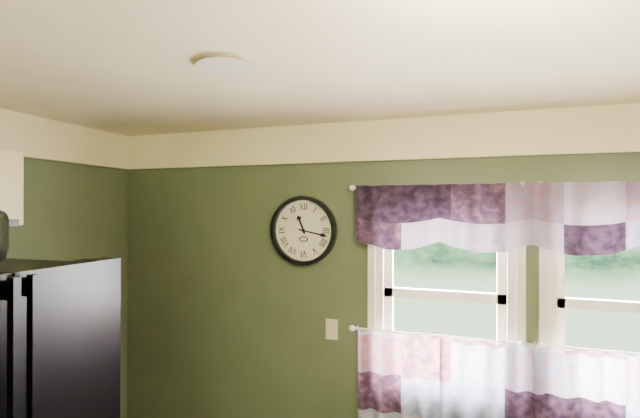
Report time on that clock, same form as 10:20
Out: 11:17
